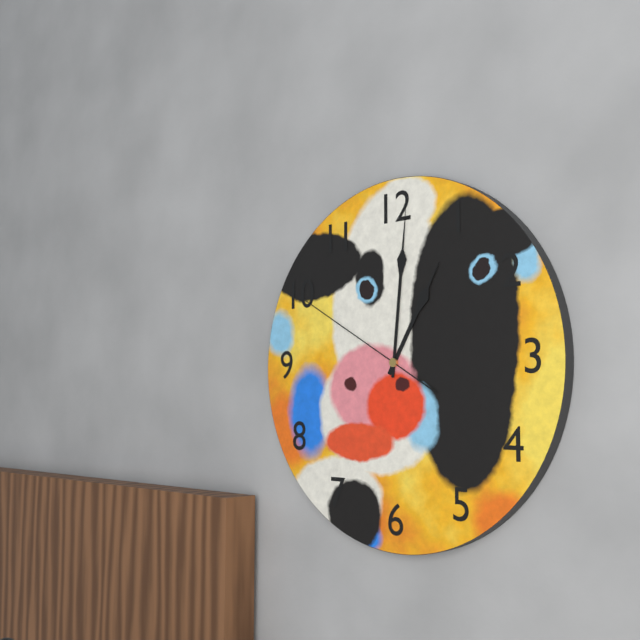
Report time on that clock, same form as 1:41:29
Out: 1:01:50
